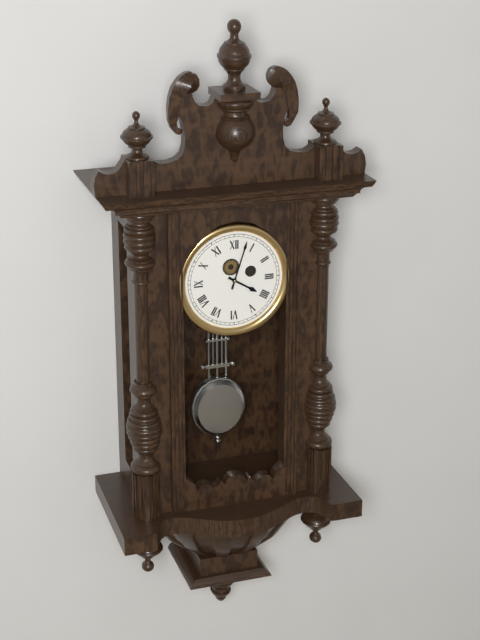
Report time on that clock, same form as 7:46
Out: 4:03
